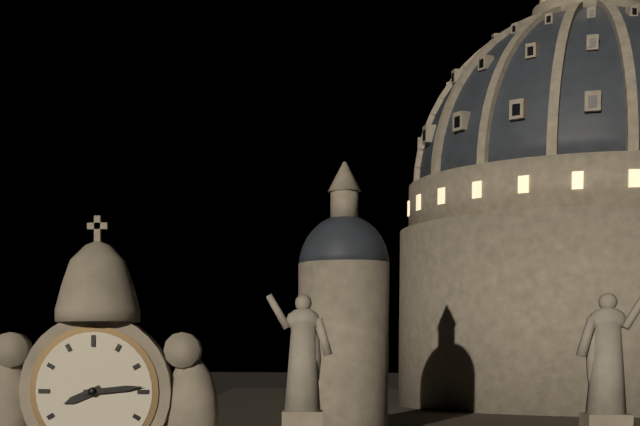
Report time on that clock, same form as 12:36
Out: 8:14
